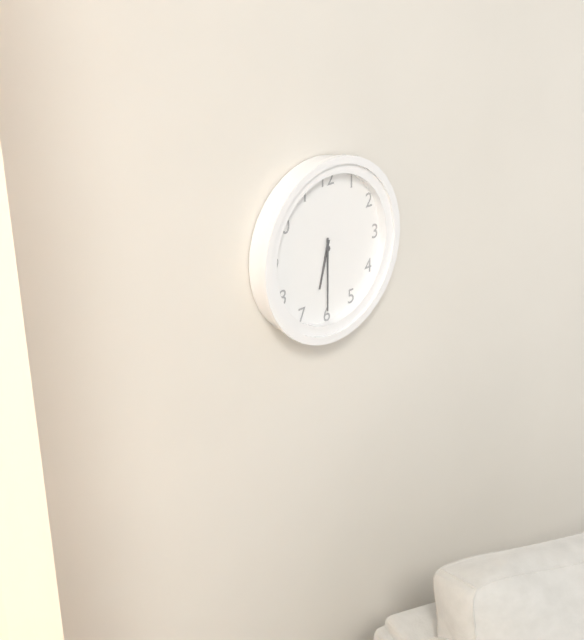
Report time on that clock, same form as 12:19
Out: 6:30
